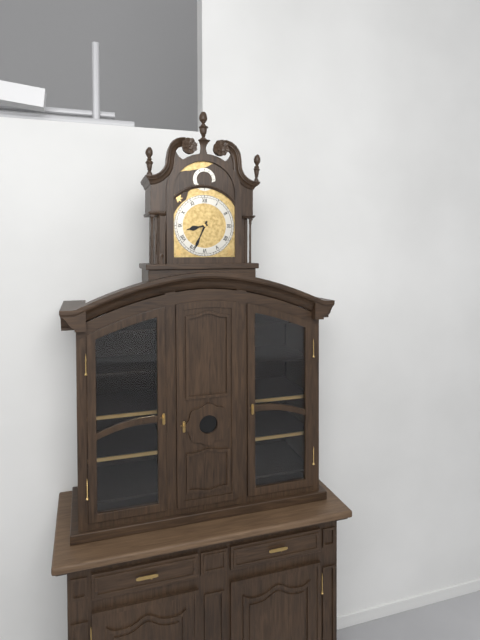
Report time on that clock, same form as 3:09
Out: 8:34
